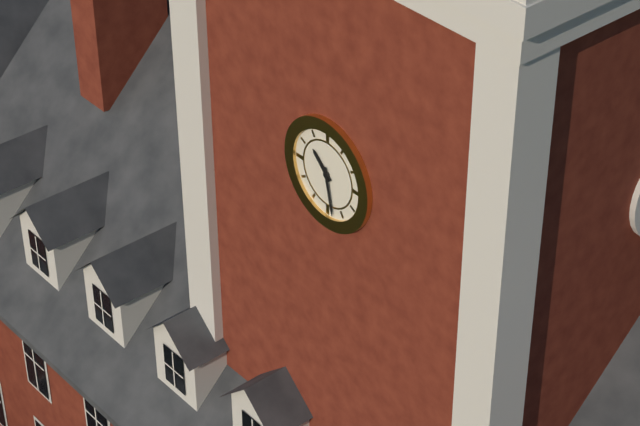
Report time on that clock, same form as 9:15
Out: 10:28
